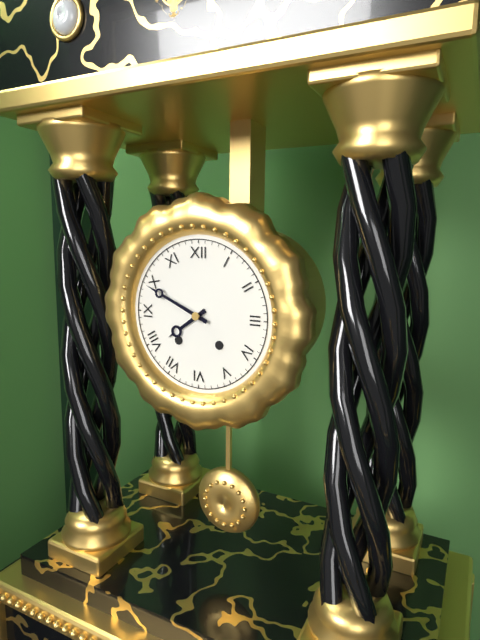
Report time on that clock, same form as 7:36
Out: 7:49
